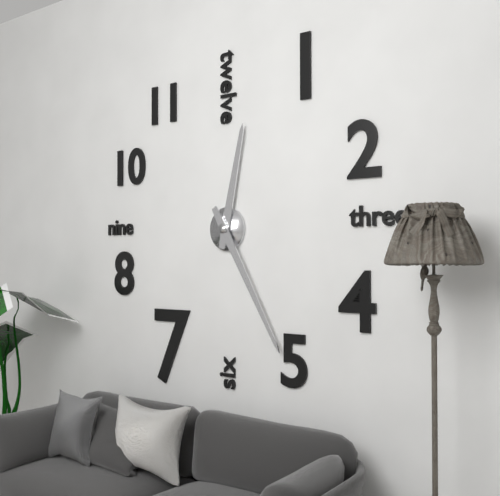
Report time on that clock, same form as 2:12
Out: 12:25
